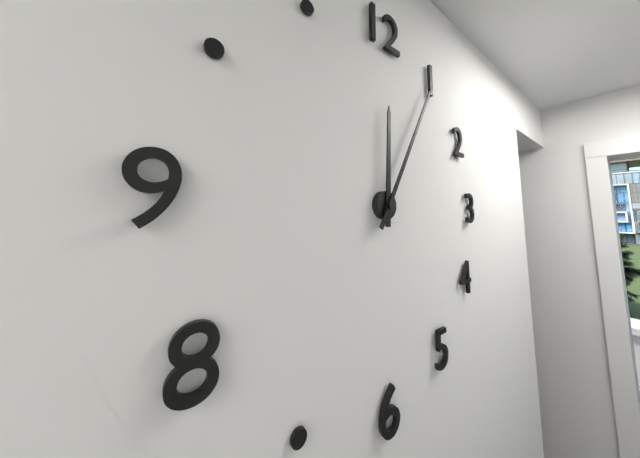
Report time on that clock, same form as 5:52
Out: 12:05
